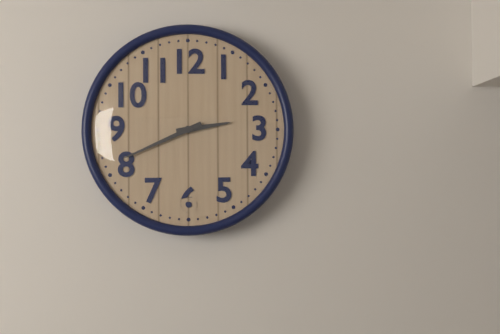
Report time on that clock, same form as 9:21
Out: 2:41
